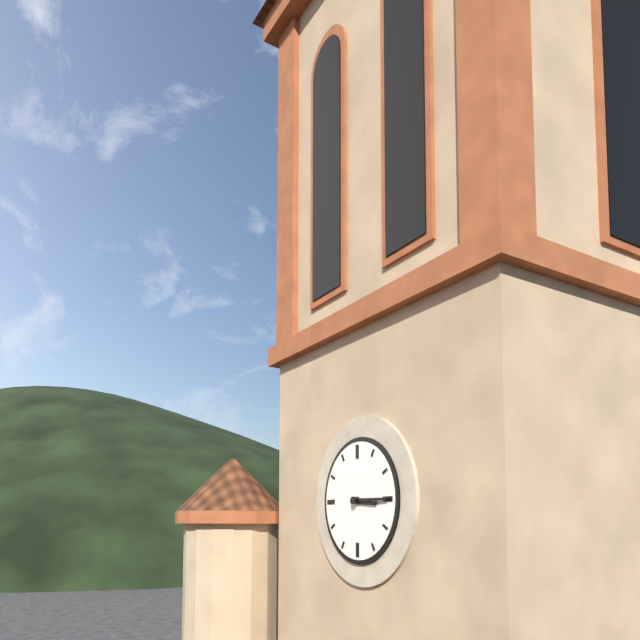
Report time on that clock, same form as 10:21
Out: 3:15
